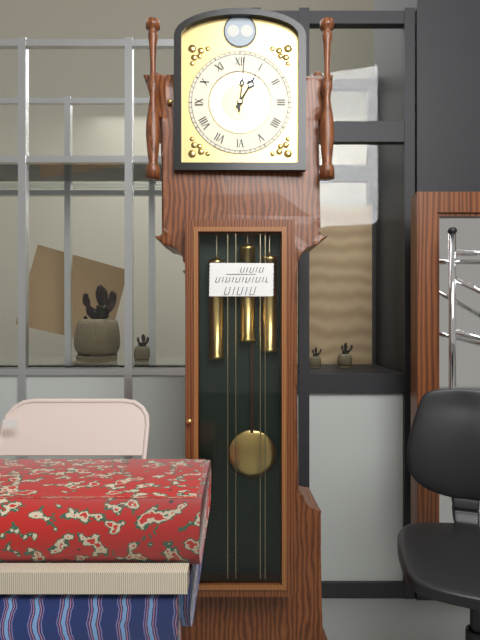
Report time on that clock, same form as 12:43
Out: 1:01
